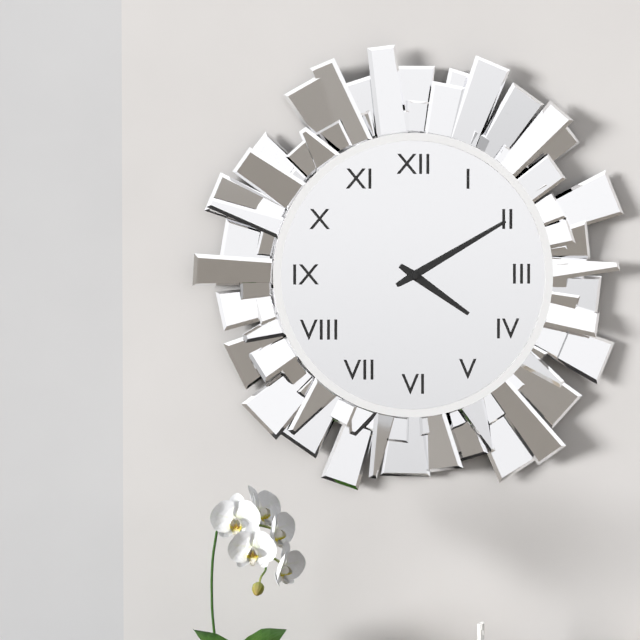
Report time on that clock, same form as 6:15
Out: 4:10
